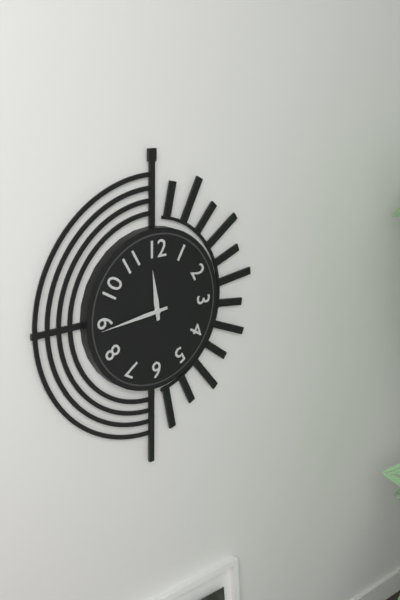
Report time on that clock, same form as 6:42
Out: 11:44
